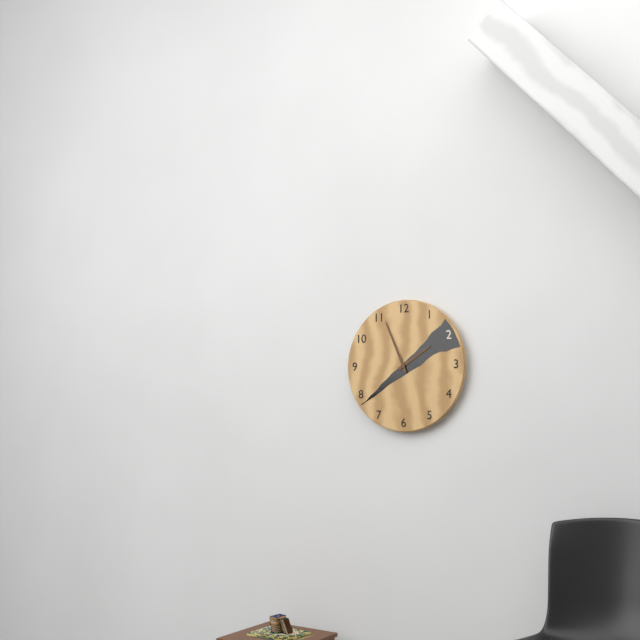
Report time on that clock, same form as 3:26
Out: 1:56
